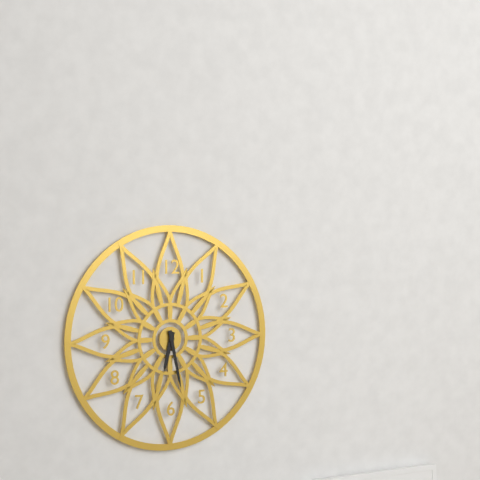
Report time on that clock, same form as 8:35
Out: 6:28
